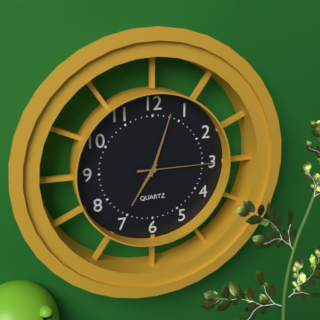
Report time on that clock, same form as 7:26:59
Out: 7:03:15
